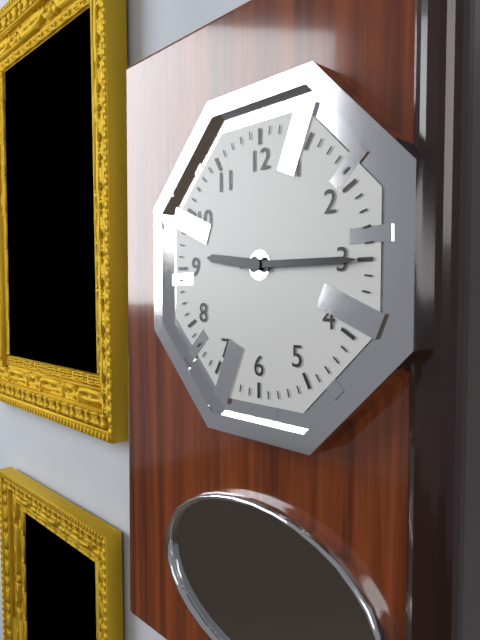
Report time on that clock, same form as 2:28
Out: 9:15
